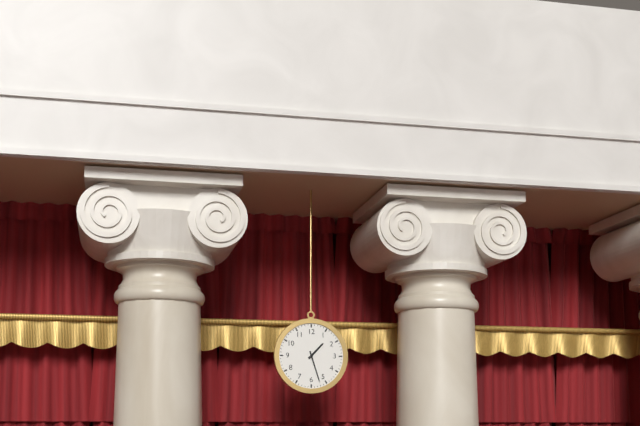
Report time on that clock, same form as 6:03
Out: 1:27
